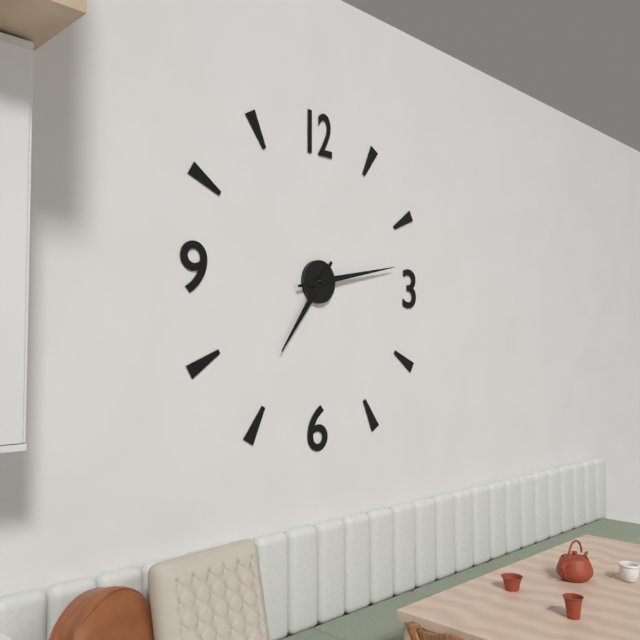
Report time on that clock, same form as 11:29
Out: 7:13
